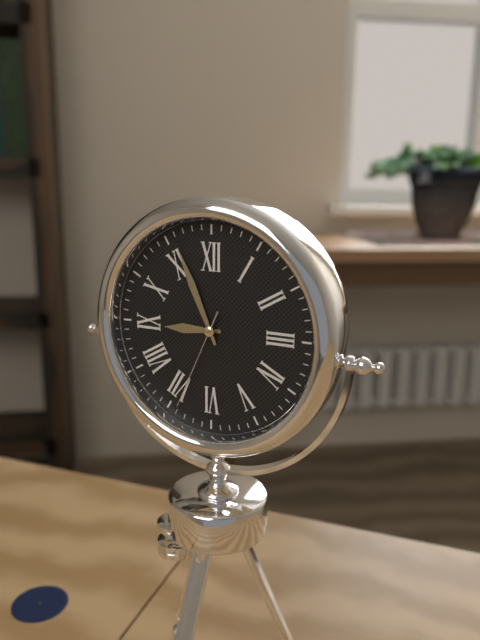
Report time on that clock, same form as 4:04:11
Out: 8:56:34
